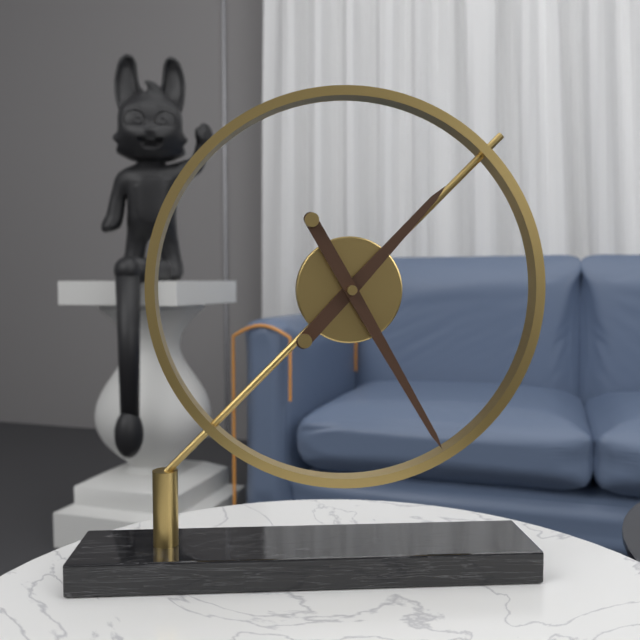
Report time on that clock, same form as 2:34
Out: 1:25
